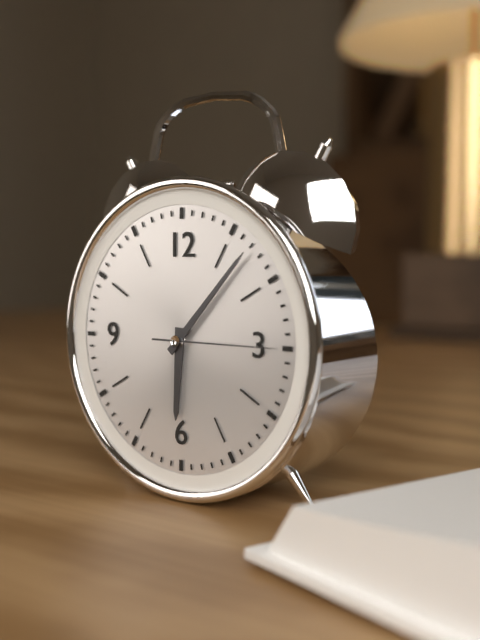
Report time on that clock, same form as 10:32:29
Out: 6:07:15
